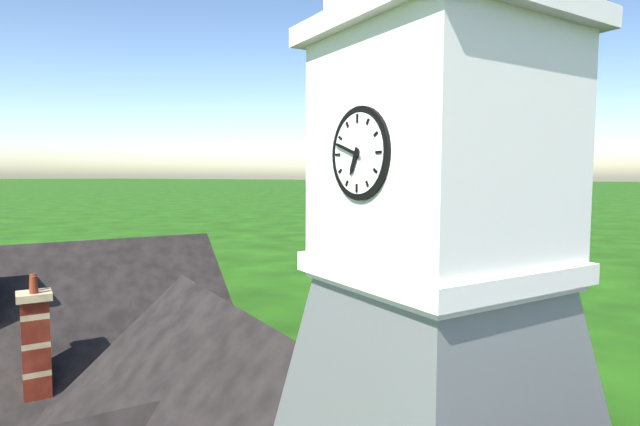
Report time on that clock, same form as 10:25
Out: 6:48
